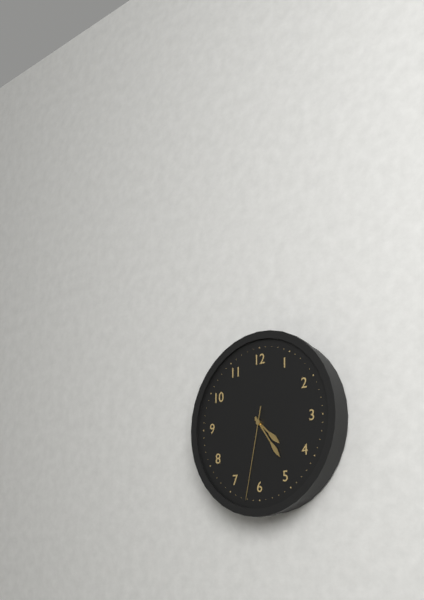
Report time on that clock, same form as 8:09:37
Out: 4:24:32
